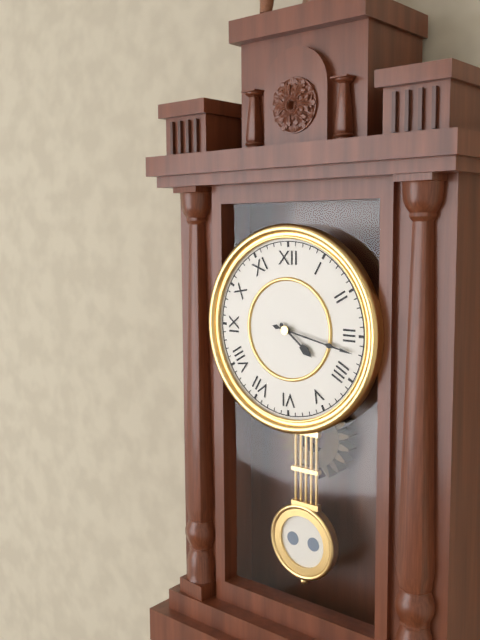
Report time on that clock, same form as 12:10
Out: 4:17
